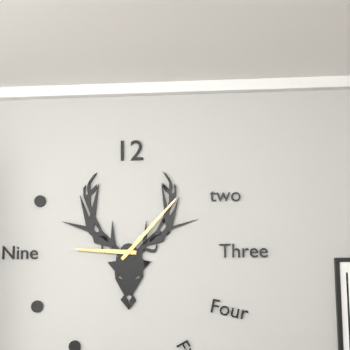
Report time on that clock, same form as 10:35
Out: 9:07
